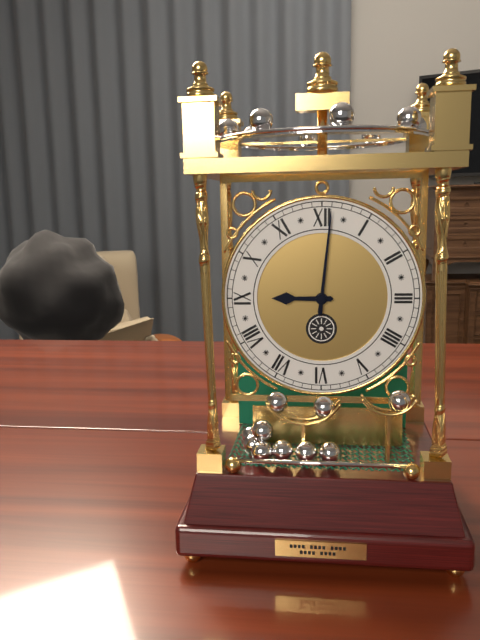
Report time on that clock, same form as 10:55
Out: 9:01
